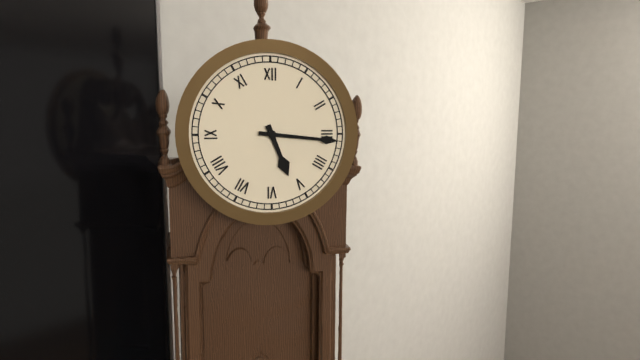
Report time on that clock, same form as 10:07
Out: 5:16
